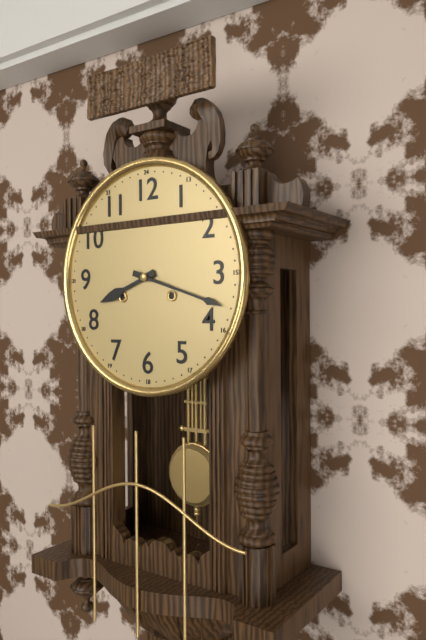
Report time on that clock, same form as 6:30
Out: 8:18
